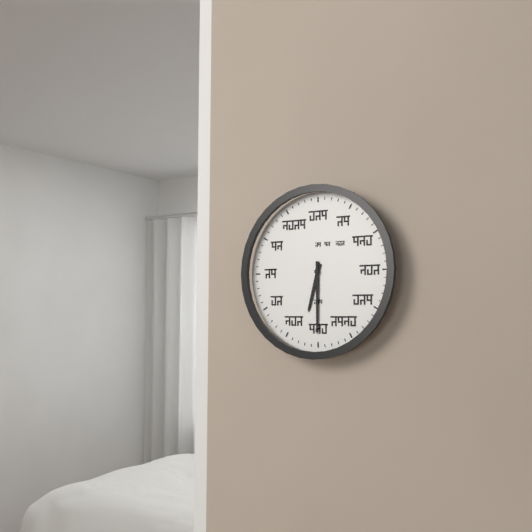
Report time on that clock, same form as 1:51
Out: 6:30
